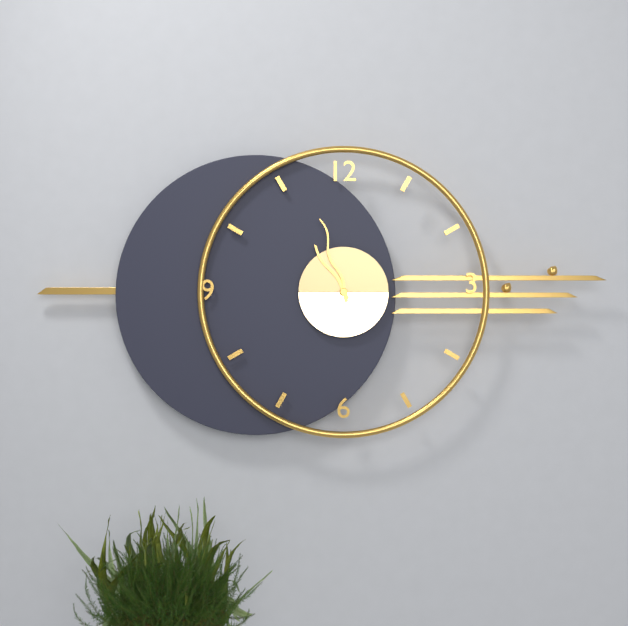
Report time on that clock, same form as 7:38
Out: 10:57
